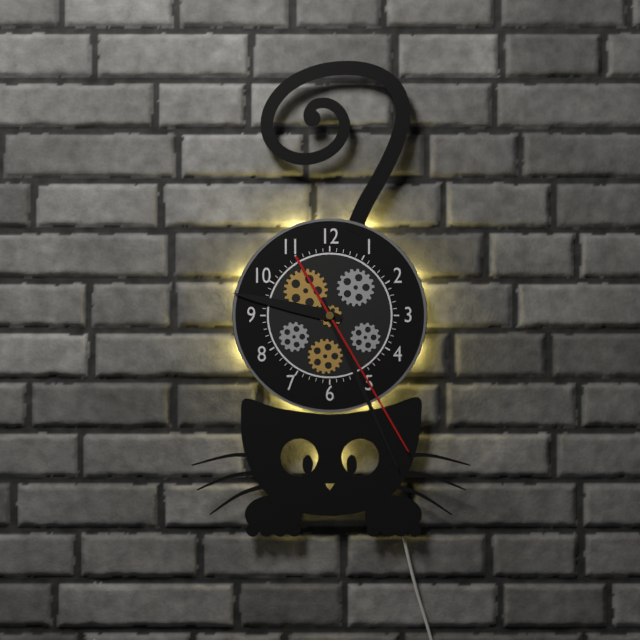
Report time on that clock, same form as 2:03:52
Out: 9:26:25
